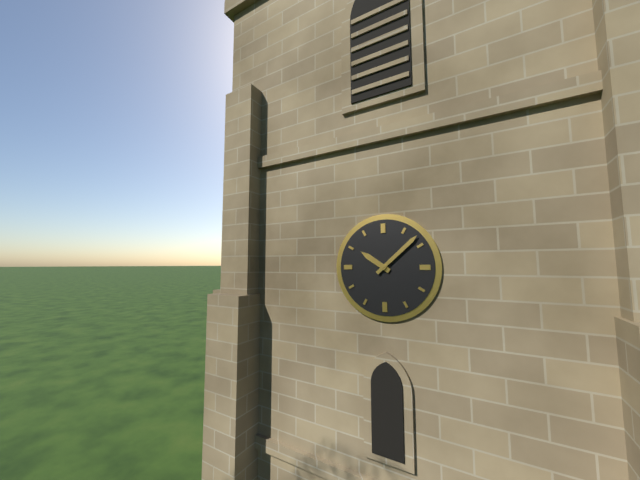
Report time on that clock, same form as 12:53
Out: 10:08
